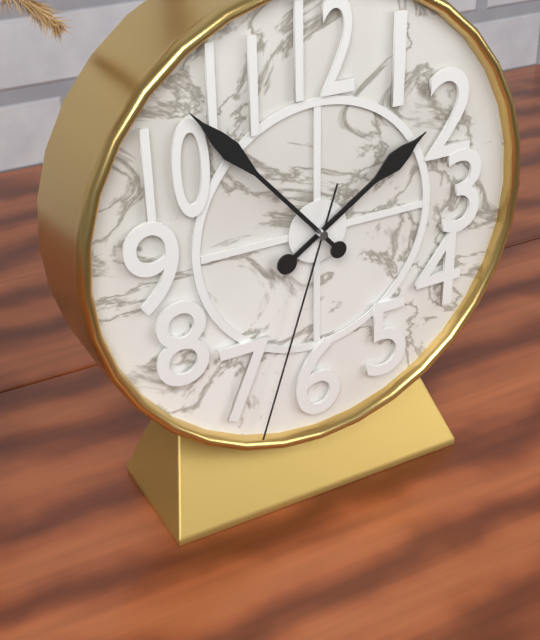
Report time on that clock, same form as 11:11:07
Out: 1:53:33
